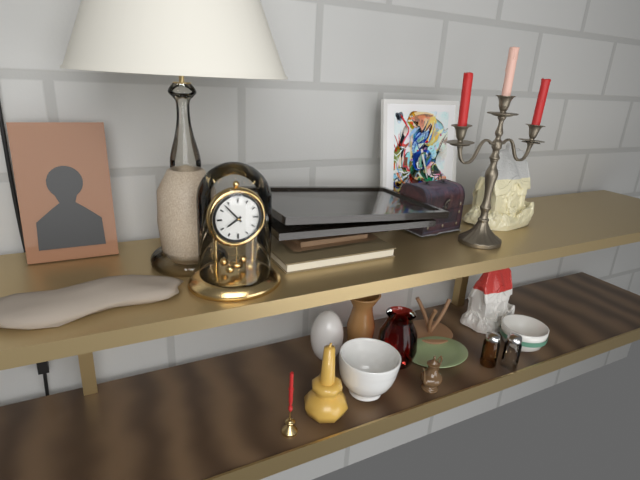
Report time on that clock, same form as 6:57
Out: 7:53
